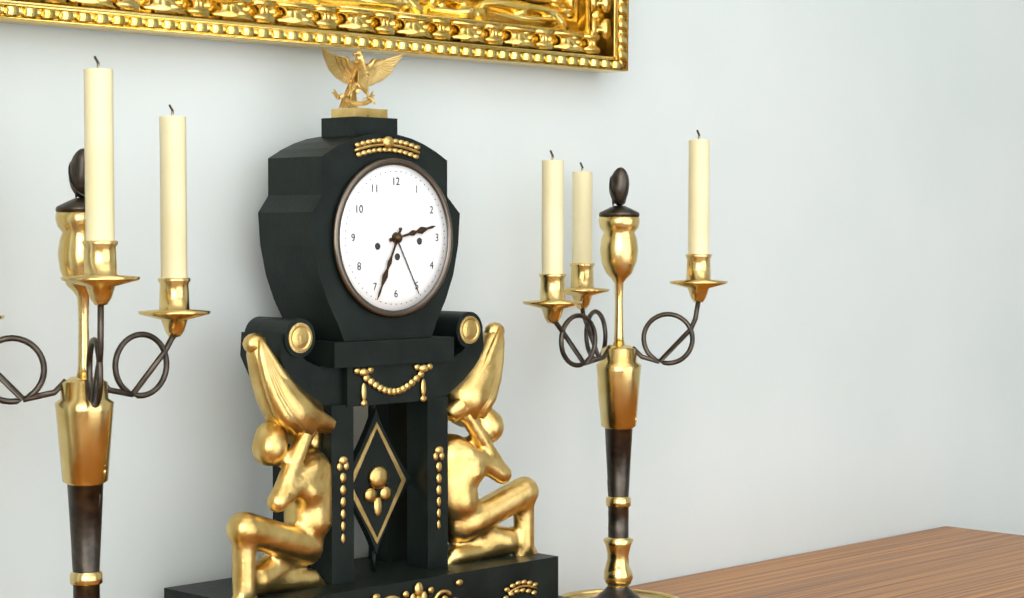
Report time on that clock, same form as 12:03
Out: 2:34
